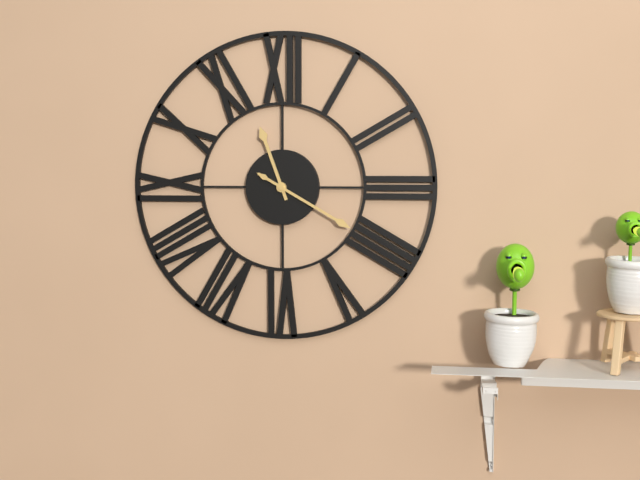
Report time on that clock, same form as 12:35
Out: 11:20
